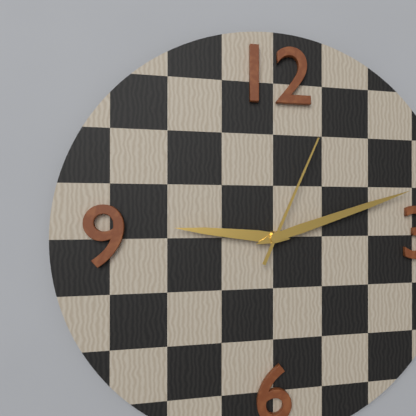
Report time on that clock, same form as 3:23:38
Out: 9:12:04
